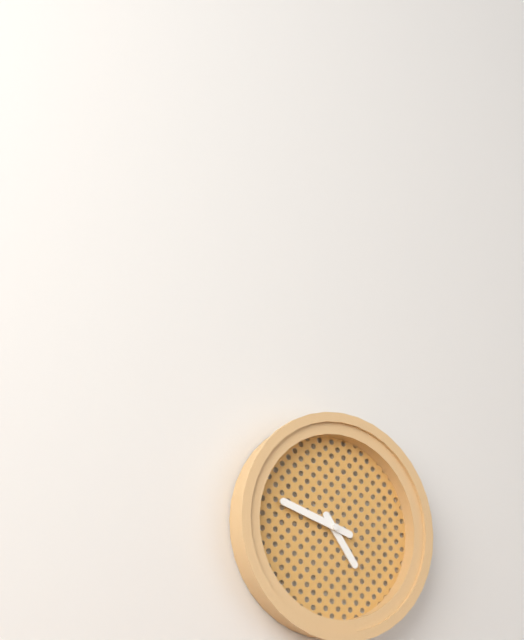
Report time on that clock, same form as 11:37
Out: 4:48
